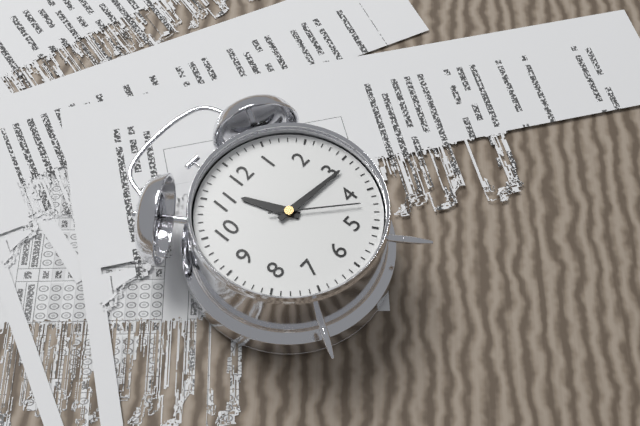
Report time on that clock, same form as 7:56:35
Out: 11:16:22
